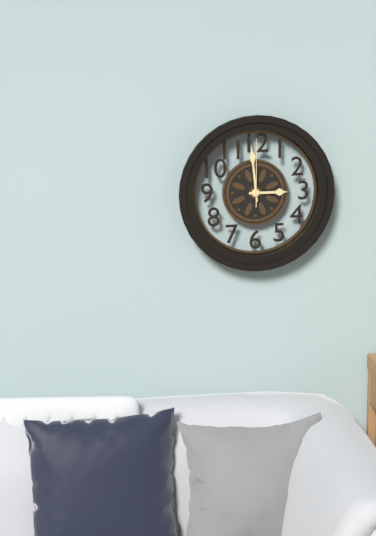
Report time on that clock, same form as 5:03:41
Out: 2:59:00
